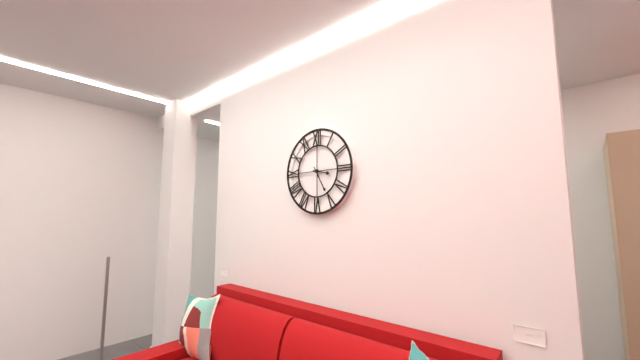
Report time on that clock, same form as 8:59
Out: 3:25
